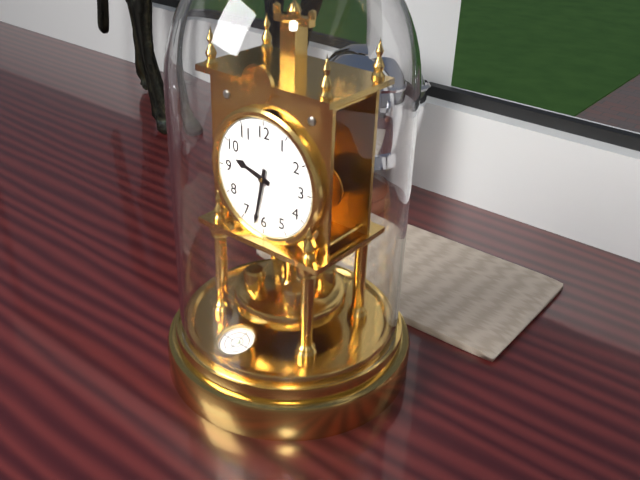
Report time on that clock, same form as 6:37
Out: 9:32
